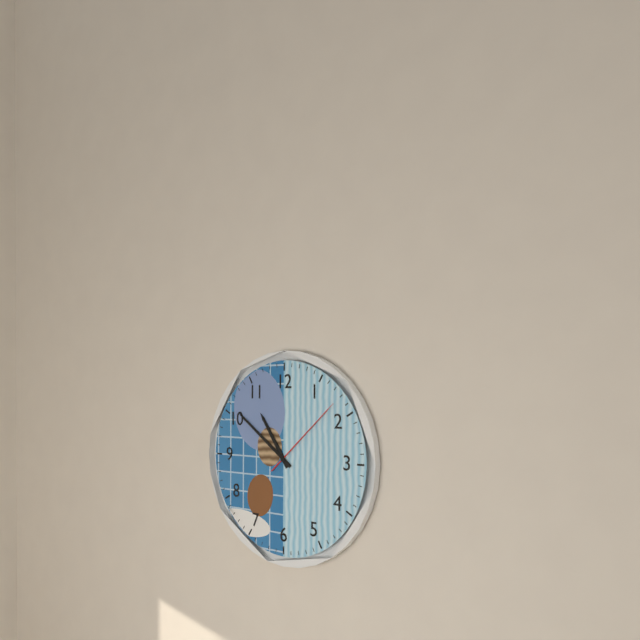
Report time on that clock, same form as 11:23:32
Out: 10:51:08
